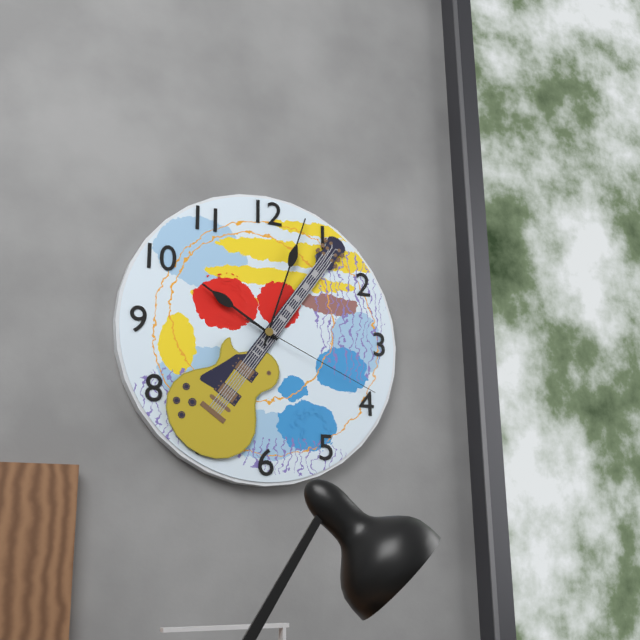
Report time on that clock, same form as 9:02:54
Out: 10:03:19
